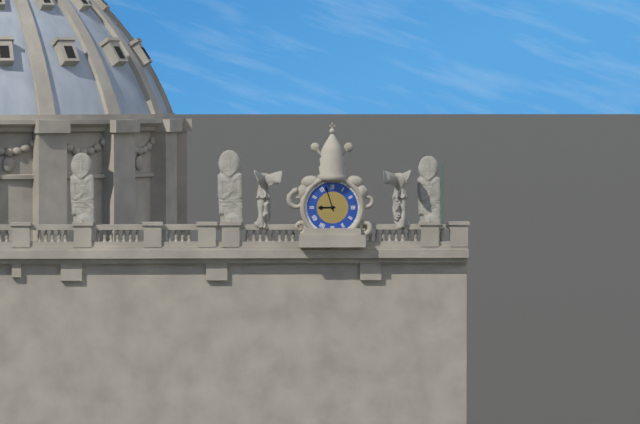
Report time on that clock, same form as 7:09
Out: 8:57
